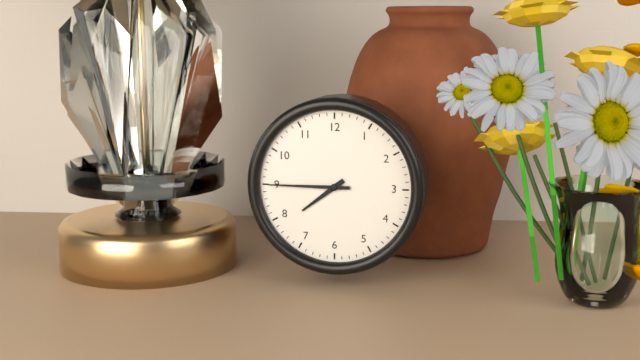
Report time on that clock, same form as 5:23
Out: 7:45
